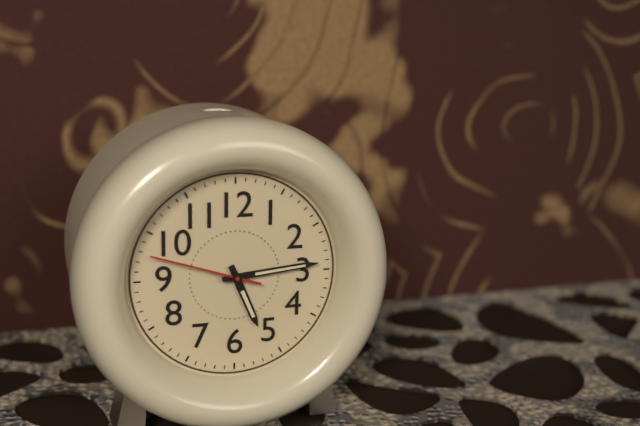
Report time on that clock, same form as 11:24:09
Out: 5:14:48
